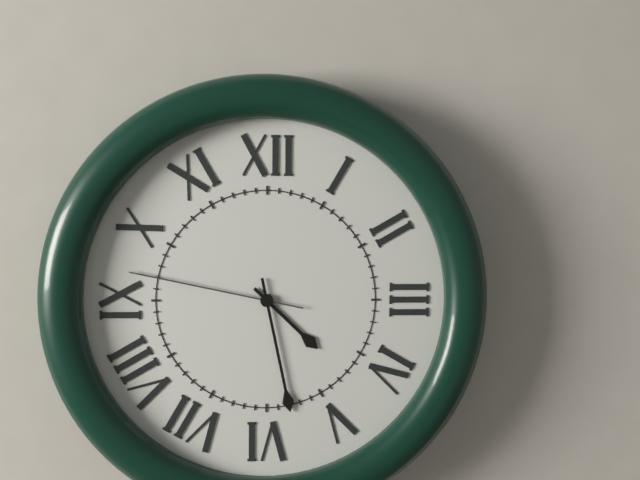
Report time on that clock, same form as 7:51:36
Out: 4:28:47
